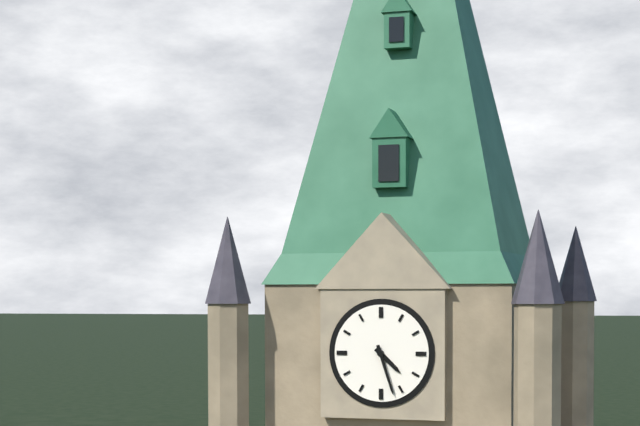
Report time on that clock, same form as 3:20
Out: 4:27
